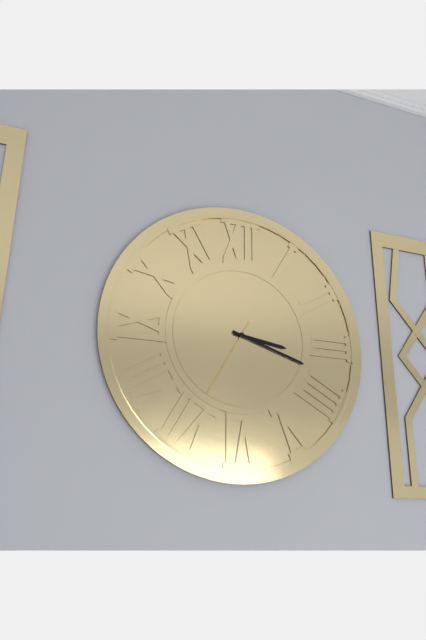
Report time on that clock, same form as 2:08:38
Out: 3:18:35
